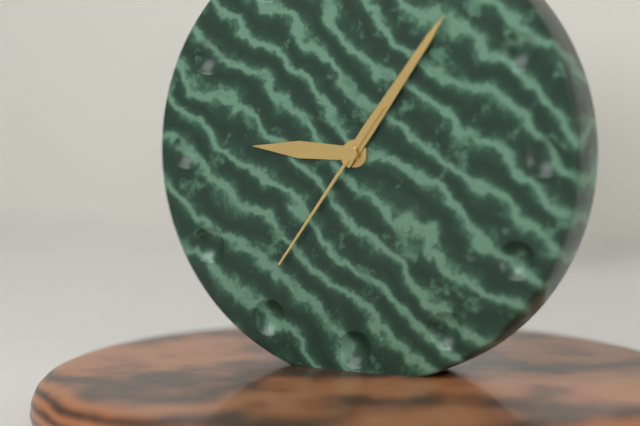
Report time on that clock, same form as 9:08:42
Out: 9:06:36
